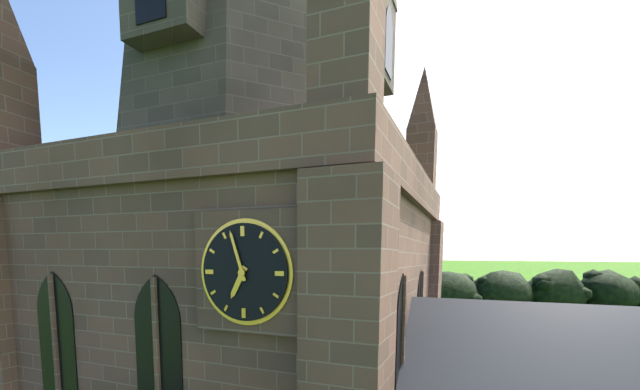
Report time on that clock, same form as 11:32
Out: 6:57
